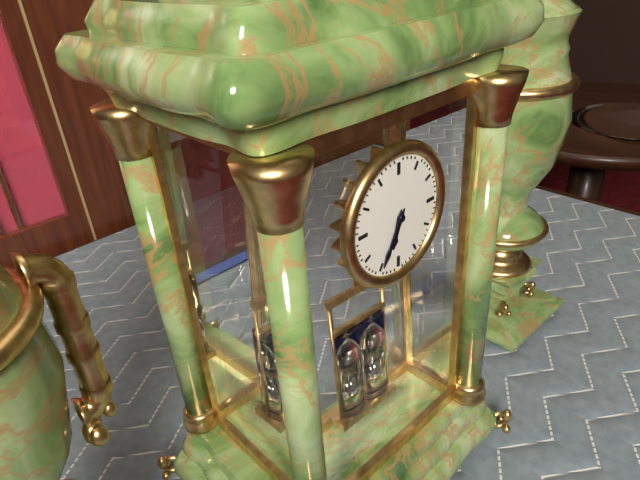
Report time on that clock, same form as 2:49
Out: 6:35
